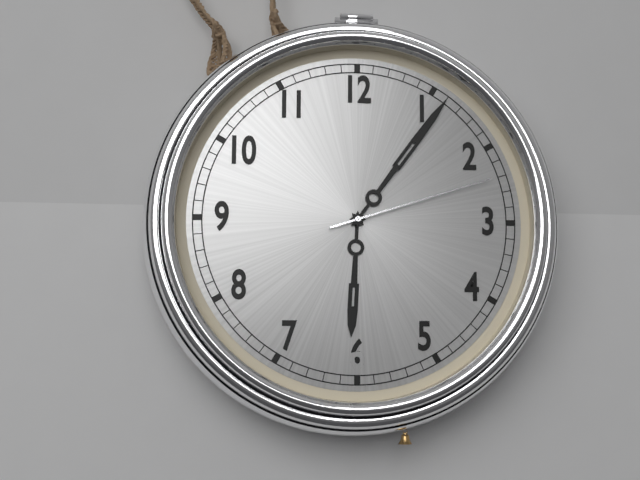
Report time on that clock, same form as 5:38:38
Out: 6:06:12
